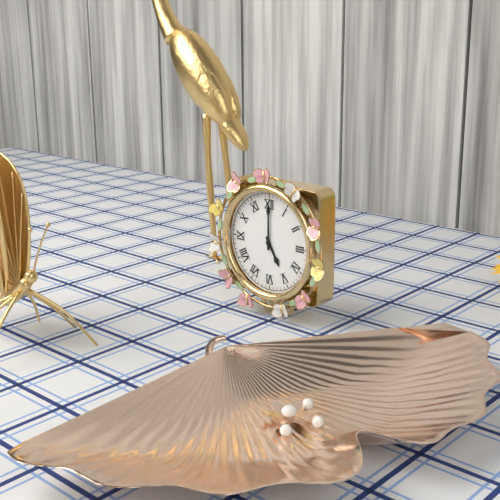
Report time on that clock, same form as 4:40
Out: 5:00
